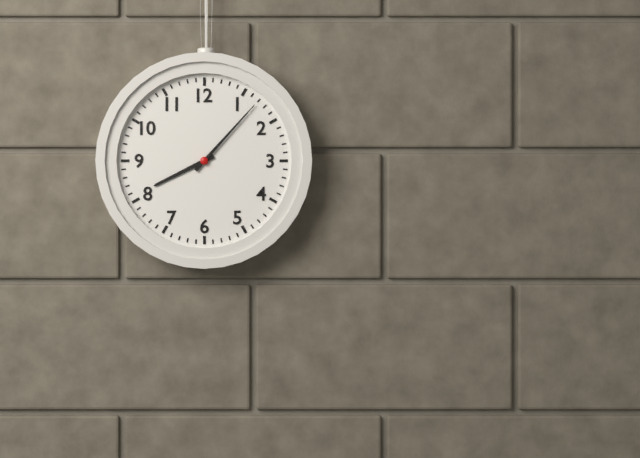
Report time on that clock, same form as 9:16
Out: 8:07
